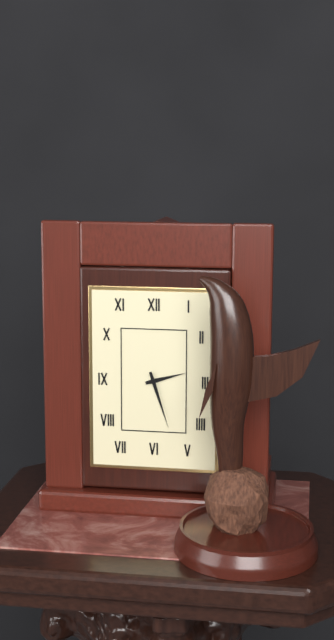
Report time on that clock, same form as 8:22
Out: 2:27
